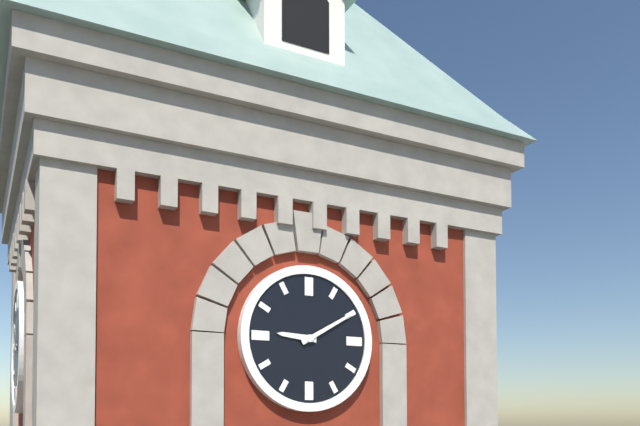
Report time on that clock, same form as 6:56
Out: 9:10
